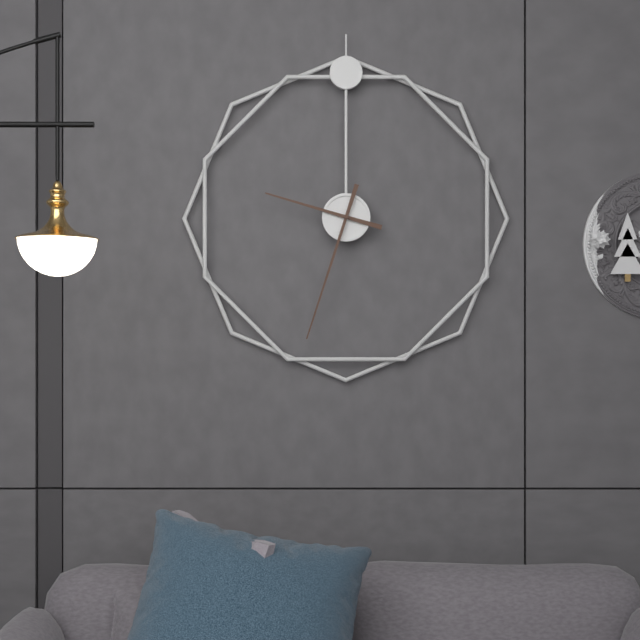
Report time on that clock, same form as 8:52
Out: 9:33
